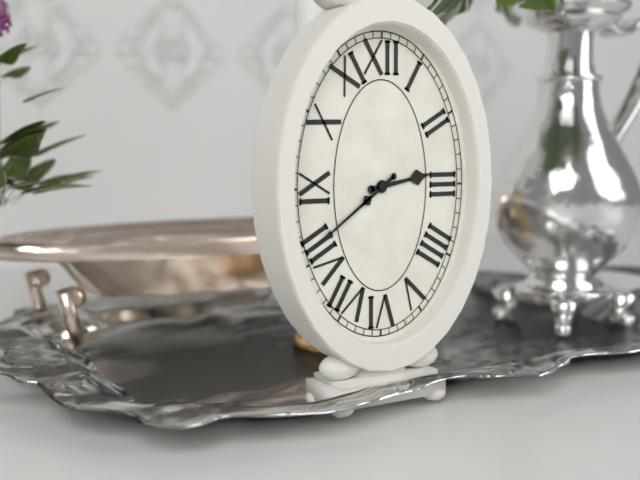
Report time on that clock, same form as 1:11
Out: 2:39
